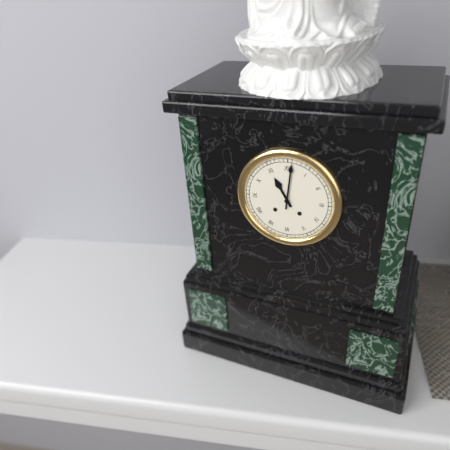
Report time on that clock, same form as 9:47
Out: 11:01
